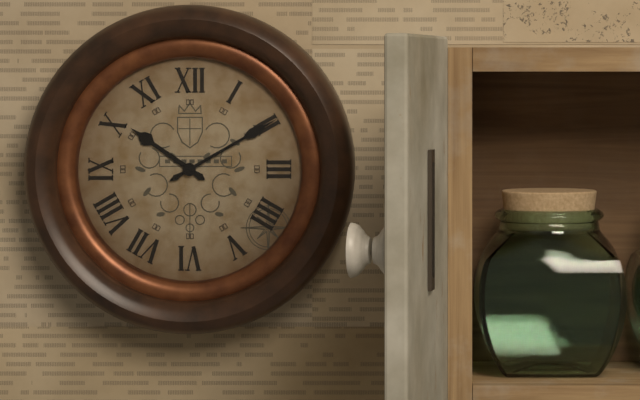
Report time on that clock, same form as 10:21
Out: 10:10
